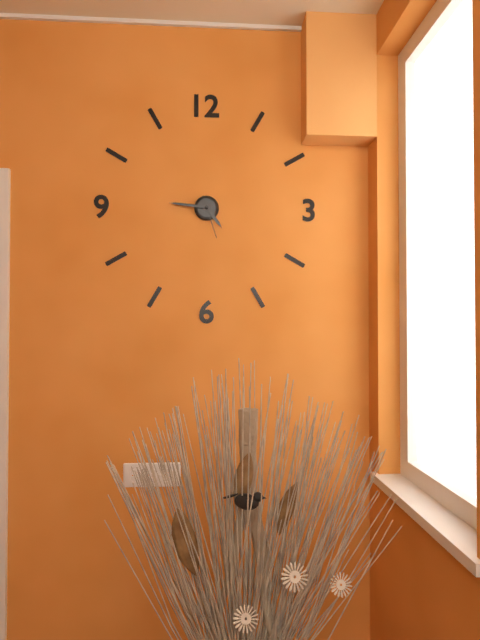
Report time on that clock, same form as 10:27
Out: 4:46
